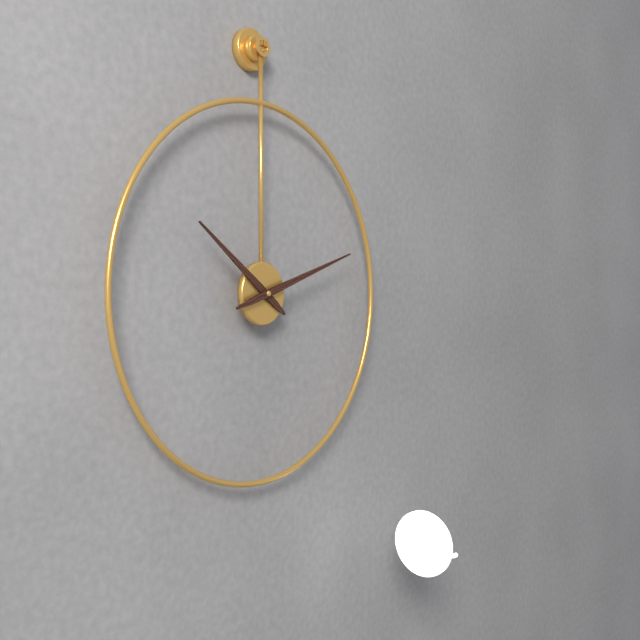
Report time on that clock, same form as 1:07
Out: 10:12
